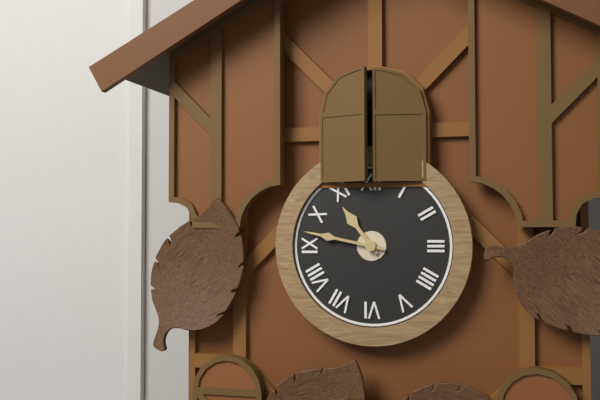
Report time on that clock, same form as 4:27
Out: 10:47
